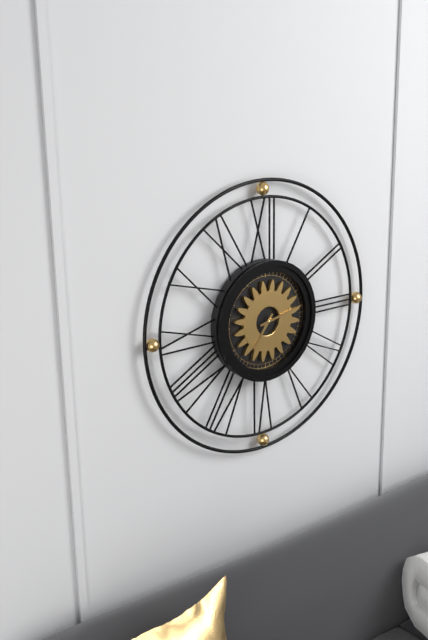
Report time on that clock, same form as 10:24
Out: 7:13
